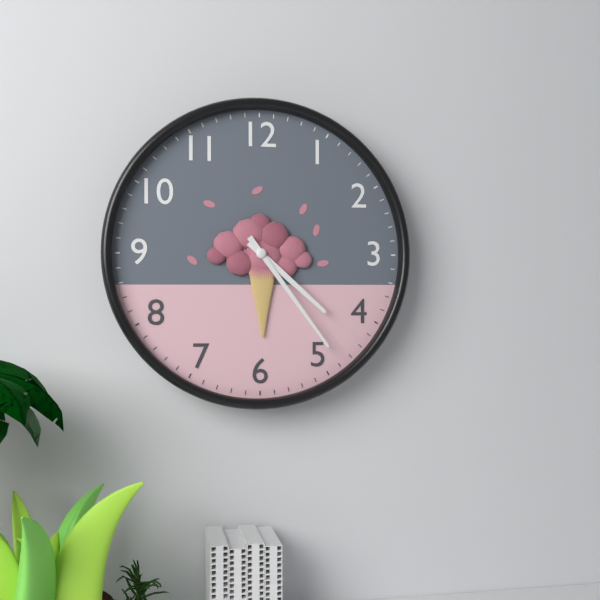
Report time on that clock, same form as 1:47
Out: 4:24
